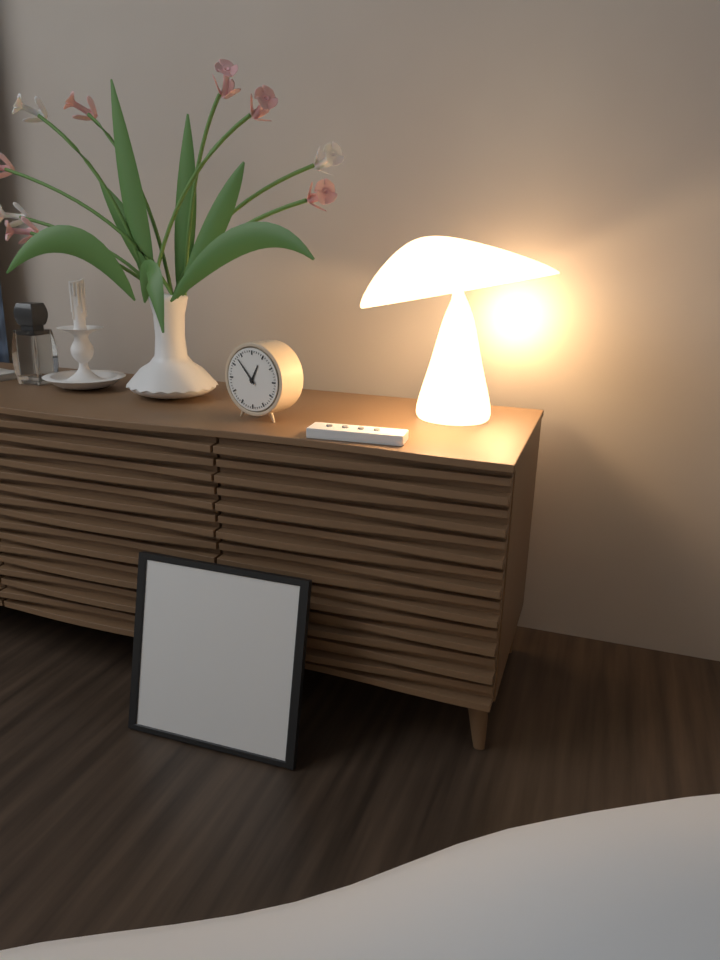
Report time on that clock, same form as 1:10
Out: 12:53
